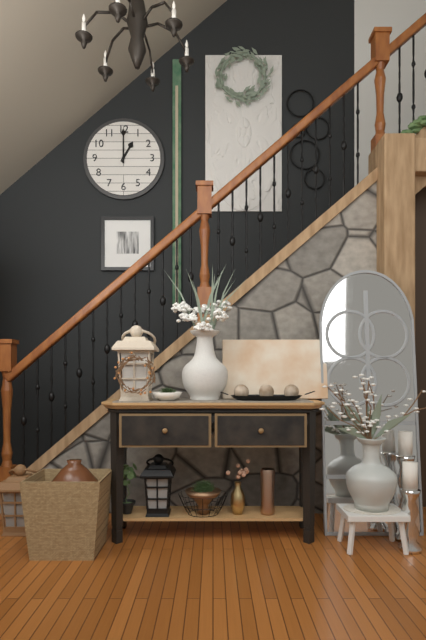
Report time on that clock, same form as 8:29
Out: 1:00
